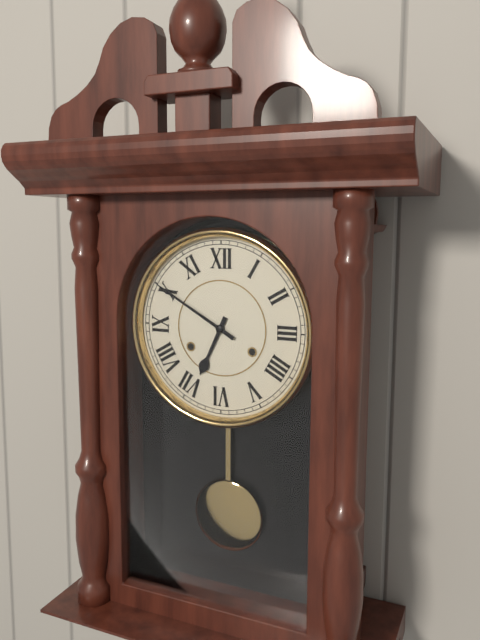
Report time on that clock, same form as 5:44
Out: 6:50
